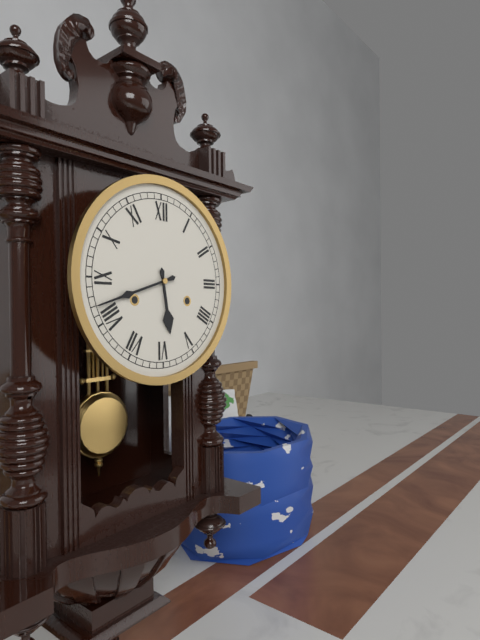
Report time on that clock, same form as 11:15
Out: 5:42
